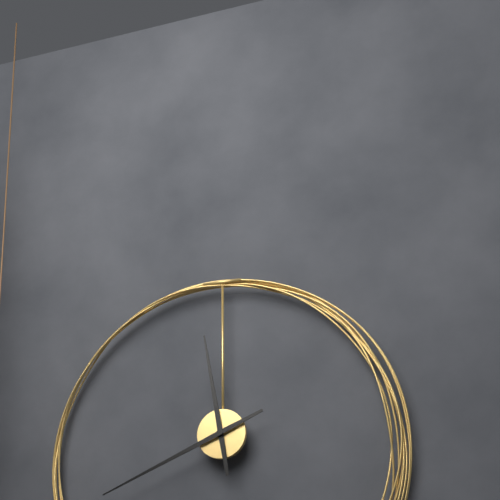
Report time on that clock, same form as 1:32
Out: 11:41
